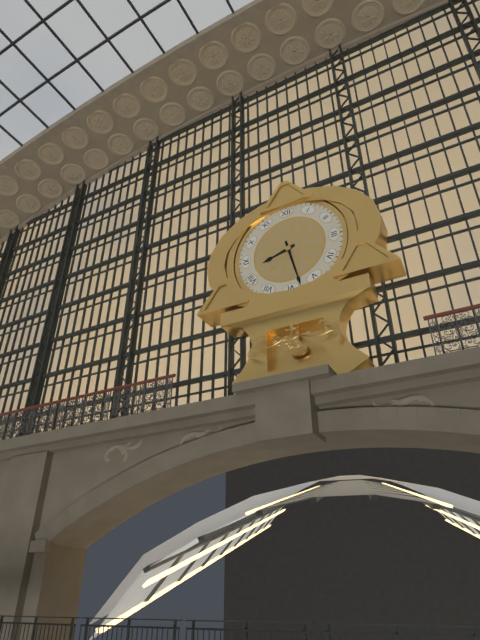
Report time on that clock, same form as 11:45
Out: 8:28
